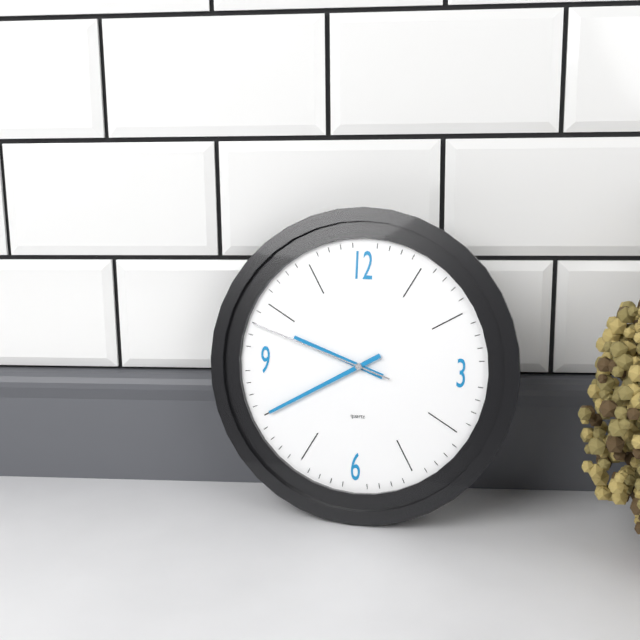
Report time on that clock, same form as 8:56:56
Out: 9:40:48
